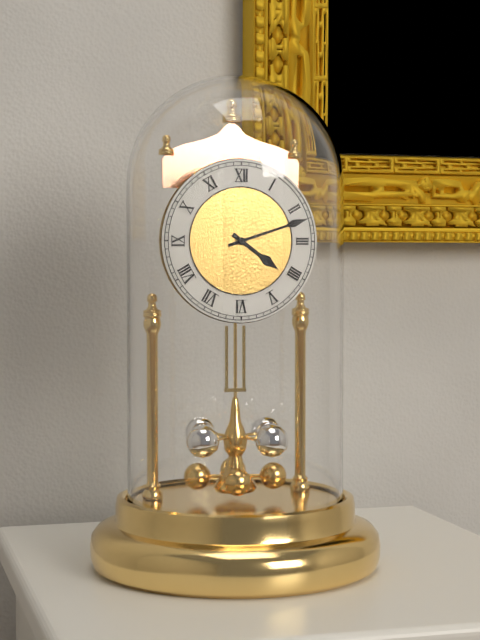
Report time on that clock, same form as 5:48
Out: 4:12
